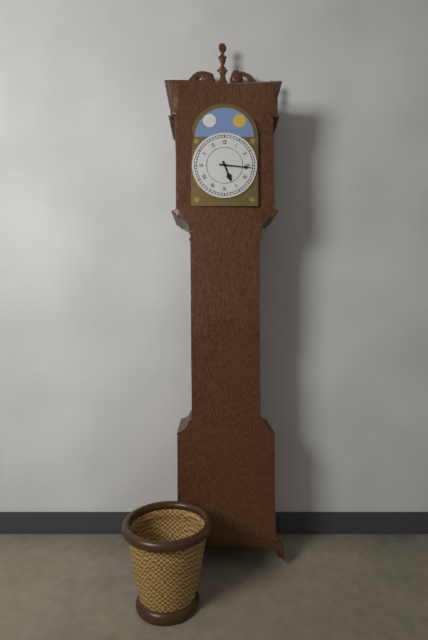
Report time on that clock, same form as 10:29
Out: 5:16
